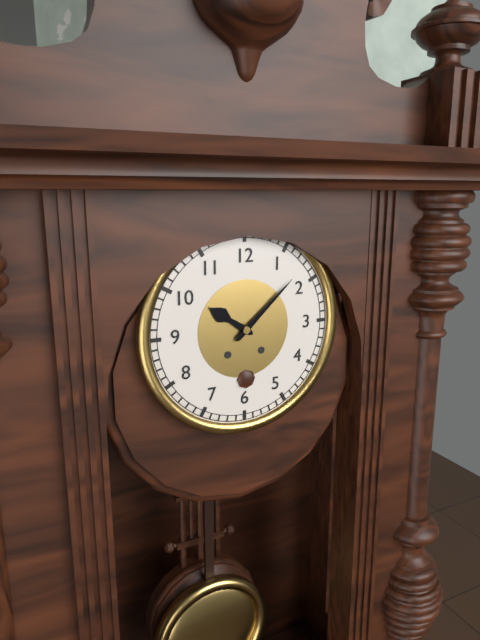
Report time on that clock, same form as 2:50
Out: 10:08
